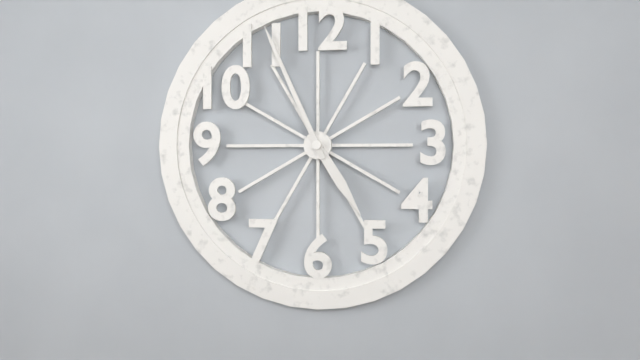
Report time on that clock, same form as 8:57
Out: 4:56
